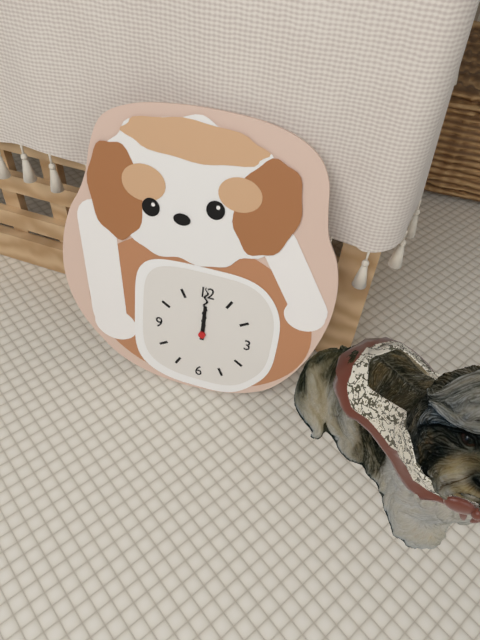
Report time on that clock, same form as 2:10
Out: 12:00
